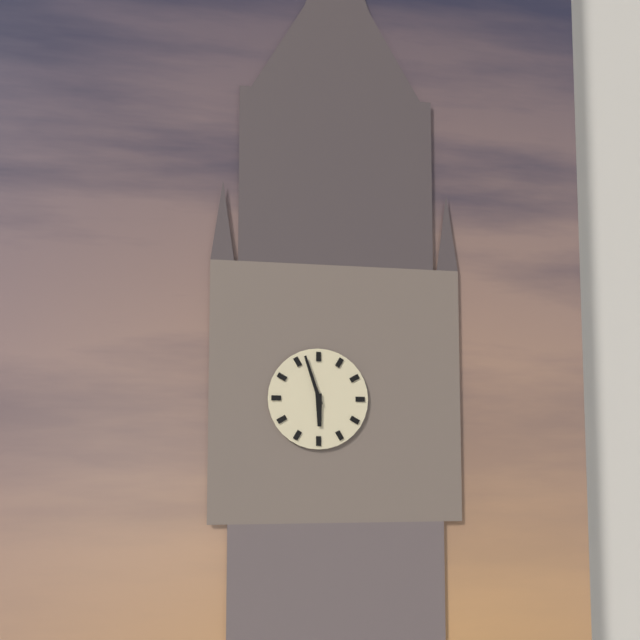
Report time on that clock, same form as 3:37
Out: 5:57
